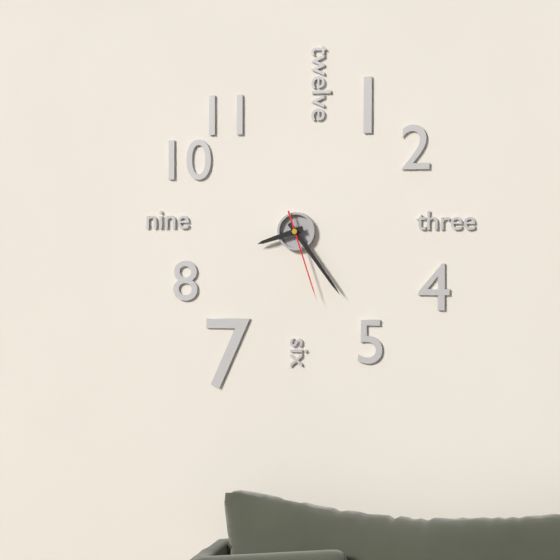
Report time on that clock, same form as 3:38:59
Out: 8:24:27
